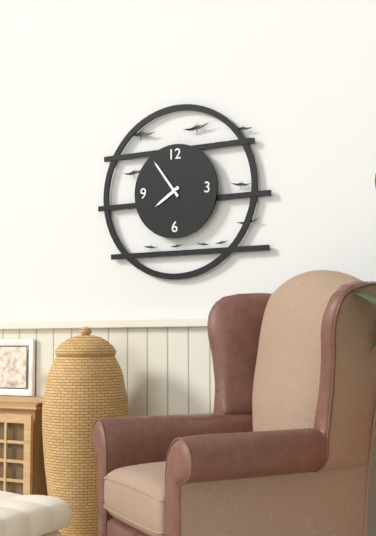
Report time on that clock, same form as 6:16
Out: 7:54
